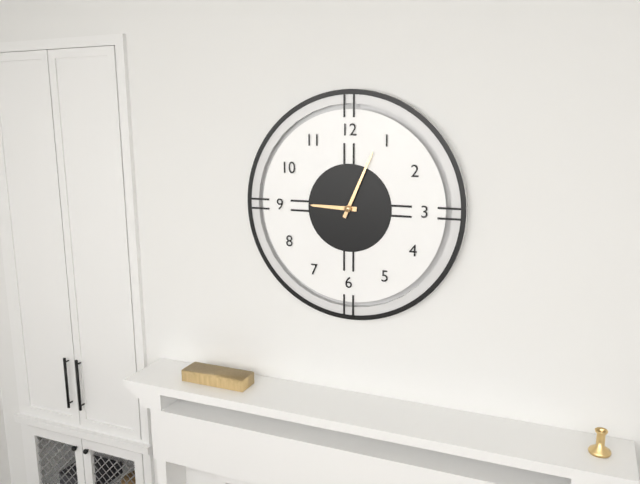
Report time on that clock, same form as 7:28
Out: 9:04
